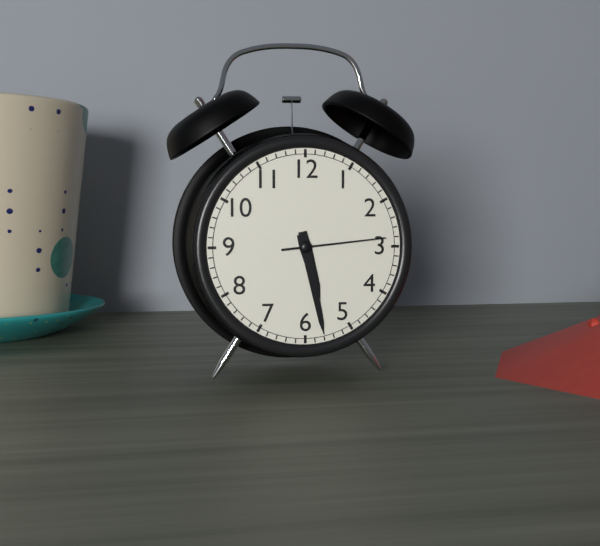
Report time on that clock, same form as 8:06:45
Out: 5:28:14
